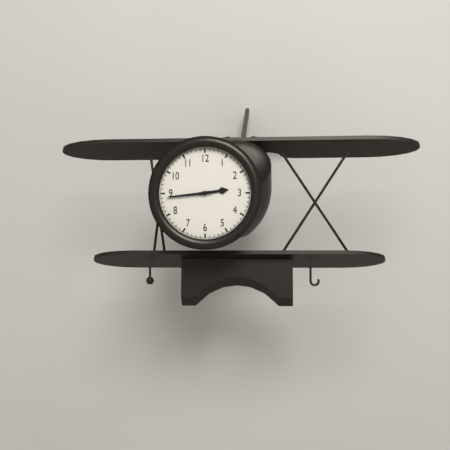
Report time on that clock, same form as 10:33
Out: 2:44
